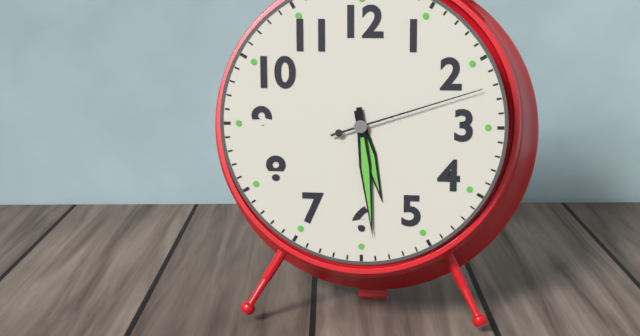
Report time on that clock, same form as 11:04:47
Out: 5:29:12
